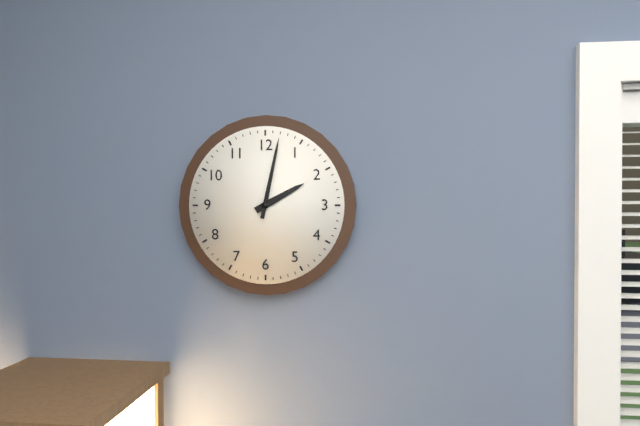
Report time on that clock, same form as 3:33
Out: 2:02
